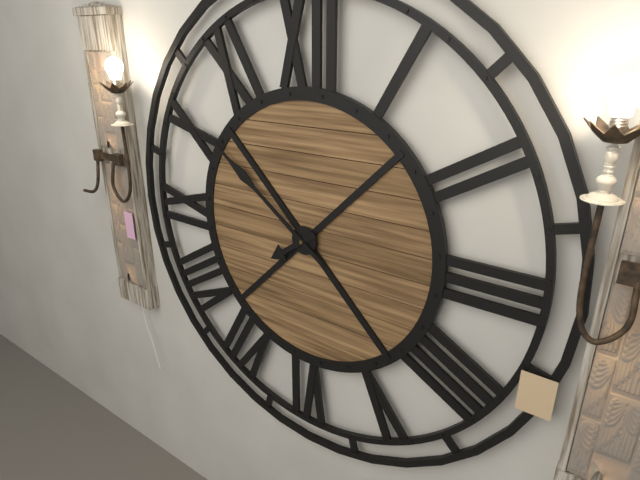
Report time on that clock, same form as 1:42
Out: 7:51
